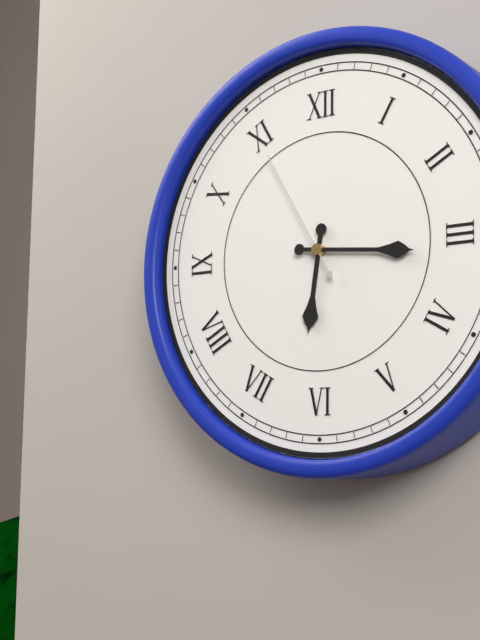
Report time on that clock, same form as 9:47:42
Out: 6:16:55
